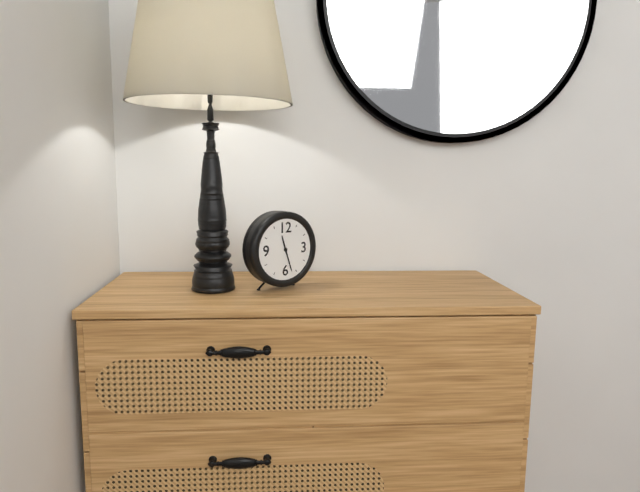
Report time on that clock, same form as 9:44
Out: 11:27
